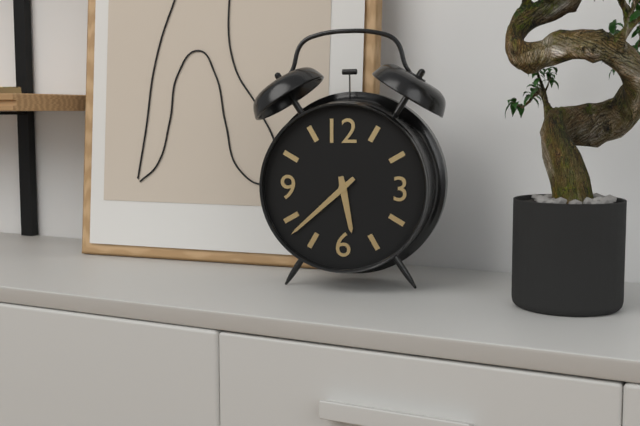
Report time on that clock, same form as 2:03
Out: 5:38
